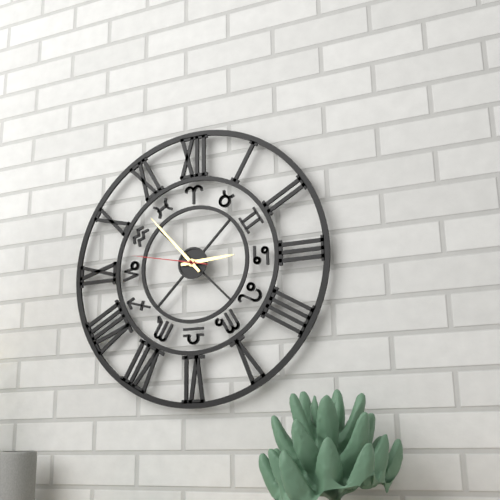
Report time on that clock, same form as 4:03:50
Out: 2:53:47
